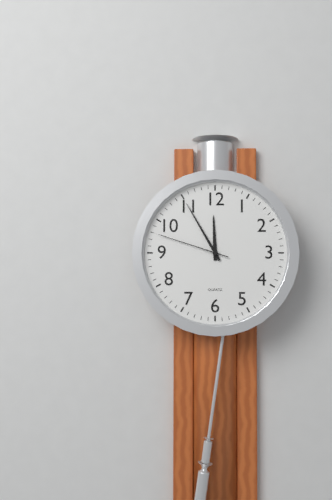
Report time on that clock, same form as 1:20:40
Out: 11:55:48
